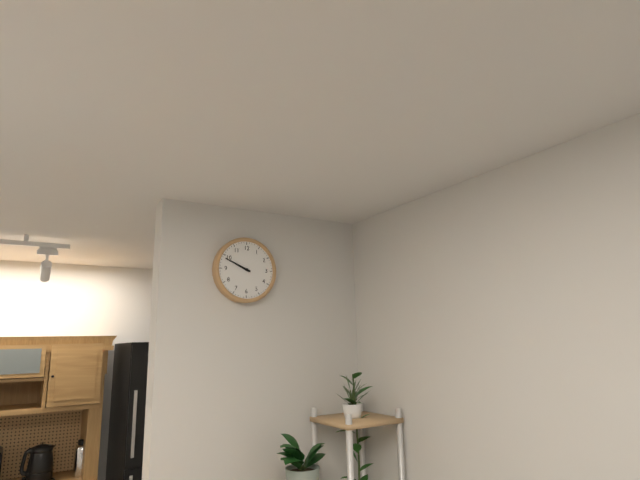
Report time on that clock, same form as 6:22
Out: 9:49
